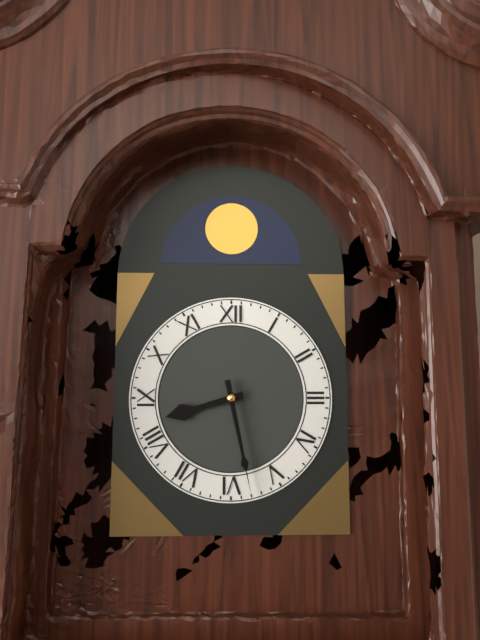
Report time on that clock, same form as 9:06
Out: 8:28
